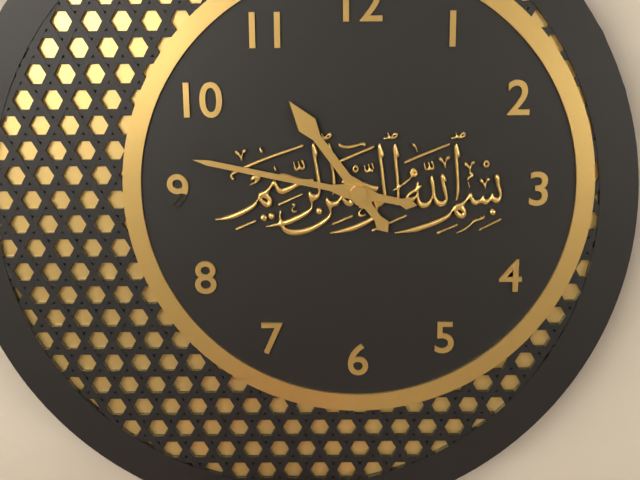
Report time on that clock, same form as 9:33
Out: 10:47
